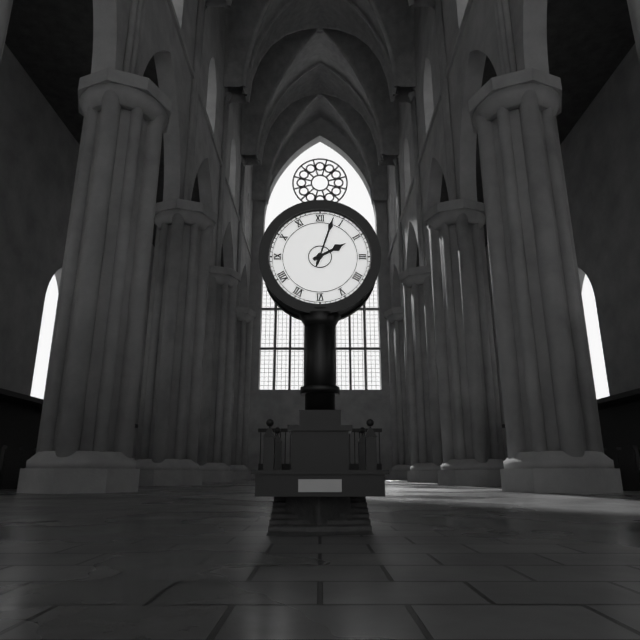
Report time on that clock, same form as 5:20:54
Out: 2:03:03
